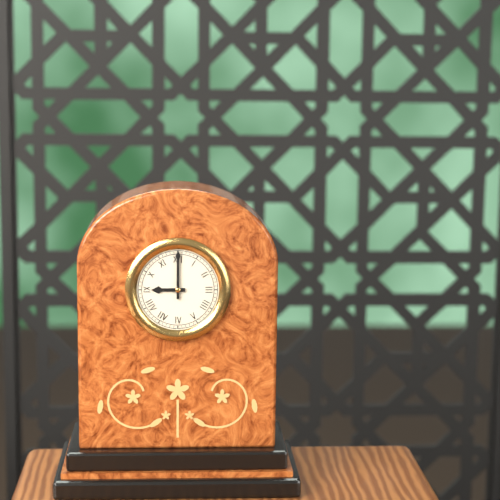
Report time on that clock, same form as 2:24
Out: 9:00
